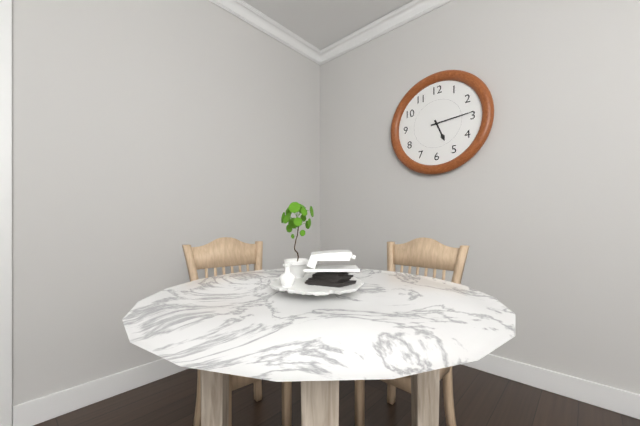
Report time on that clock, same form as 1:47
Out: 5:14
